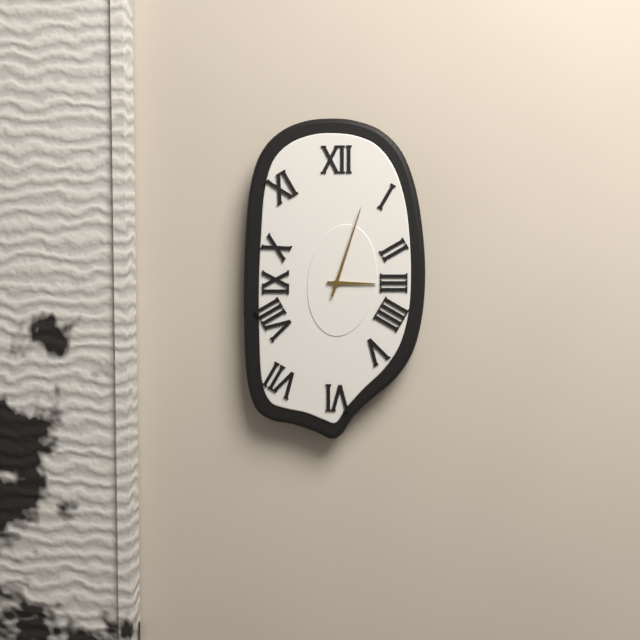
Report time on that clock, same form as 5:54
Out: 3:03
